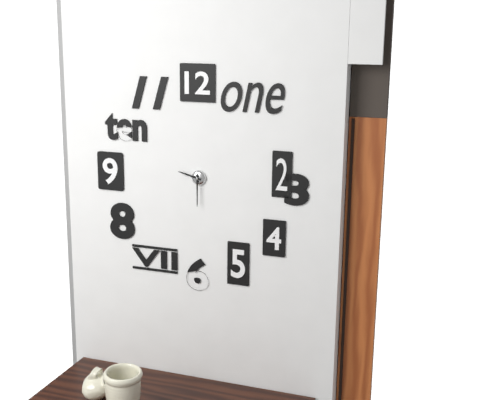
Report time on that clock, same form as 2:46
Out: 9:30
